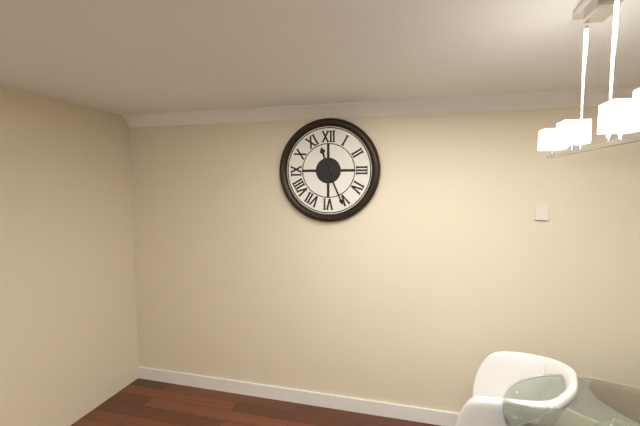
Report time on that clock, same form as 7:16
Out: 11:26
